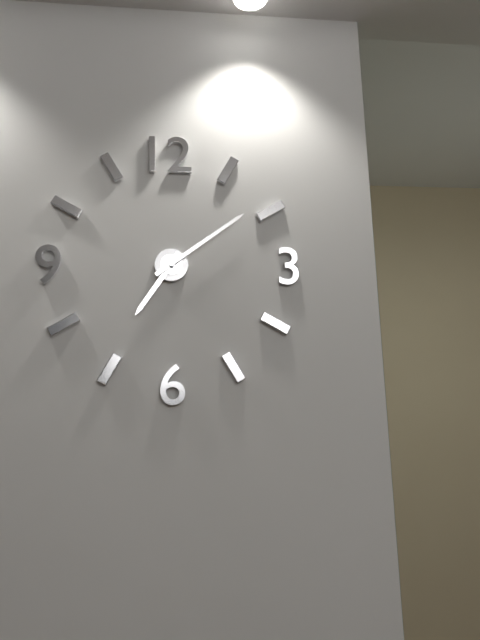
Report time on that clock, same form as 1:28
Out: 7:09
